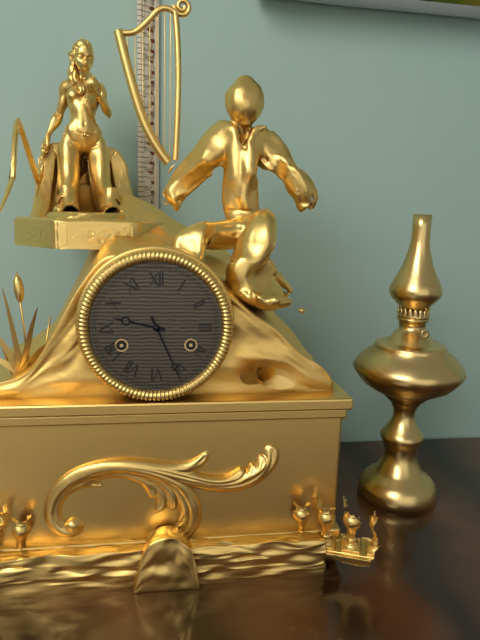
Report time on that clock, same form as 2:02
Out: 9:26
